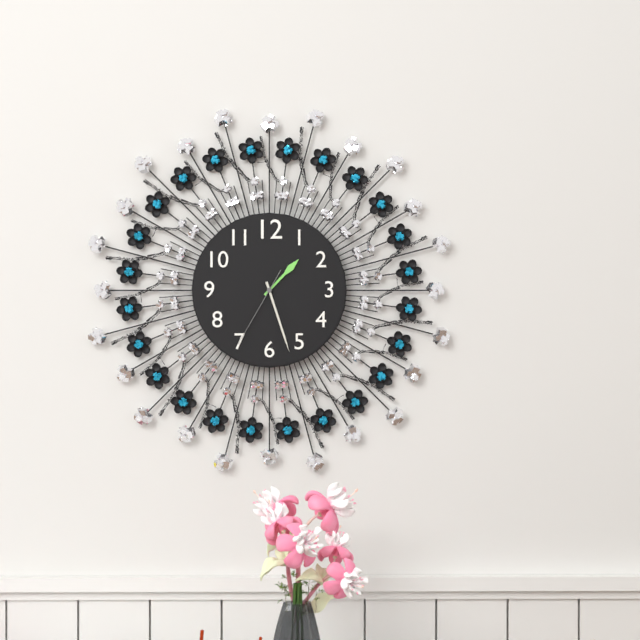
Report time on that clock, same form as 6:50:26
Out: 1:27:35
